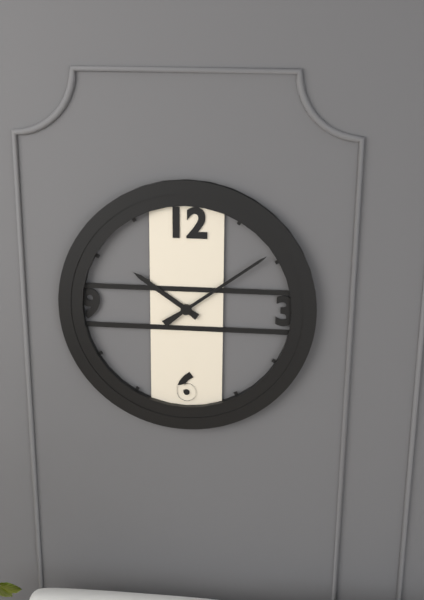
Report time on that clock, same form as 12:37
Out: 10:09
